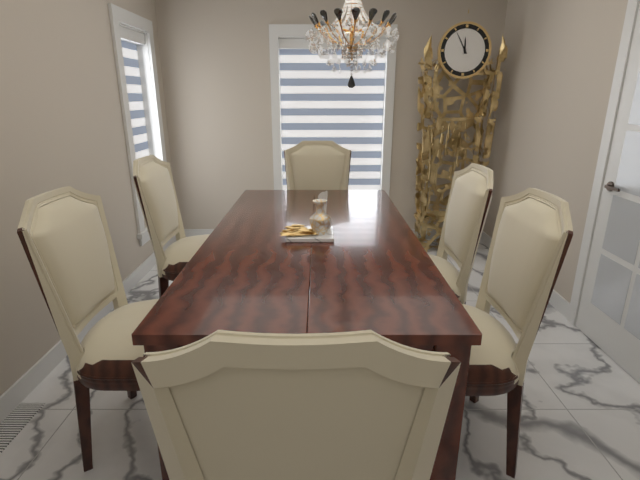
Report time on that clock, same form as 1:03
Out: 11:55
